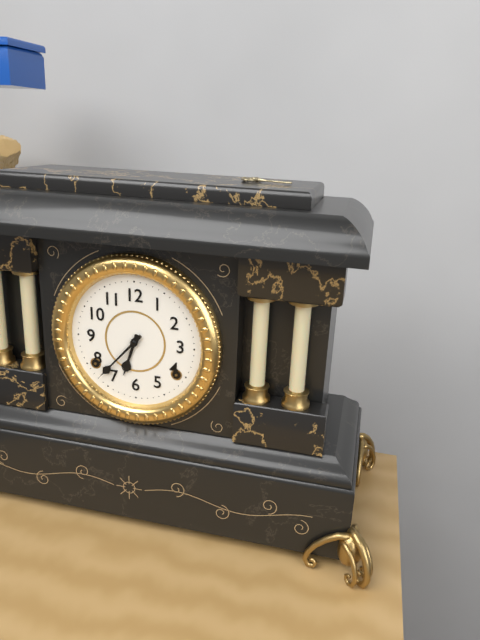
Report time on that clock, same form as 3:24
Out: 6:37
